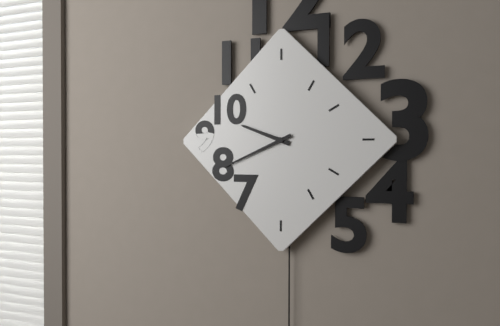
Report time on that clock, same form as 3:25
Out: 9:41
